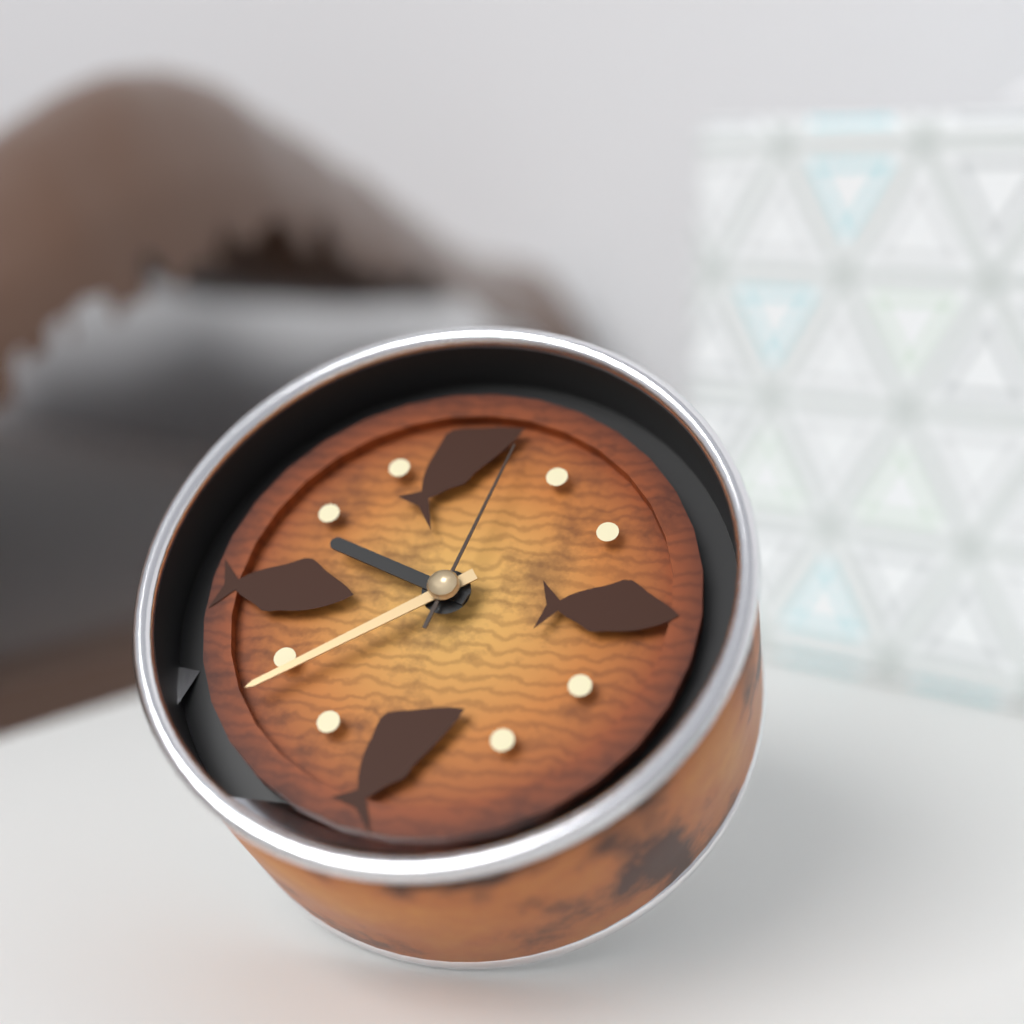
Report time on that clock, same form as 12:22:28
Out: 9:39:02
